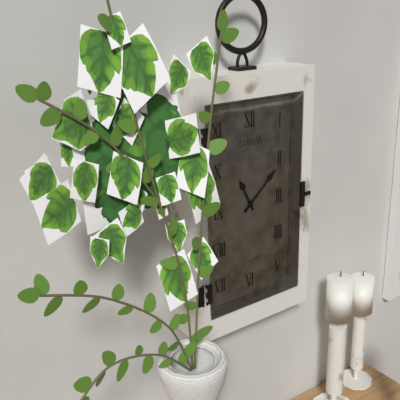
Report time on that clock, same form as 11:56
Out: 11:08
